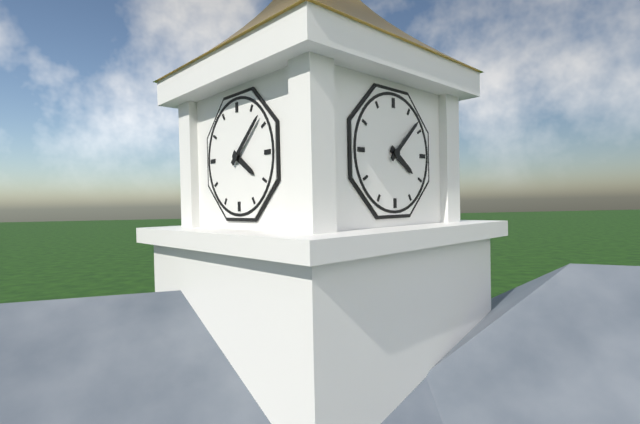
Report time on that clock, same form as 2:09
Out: 4:08
